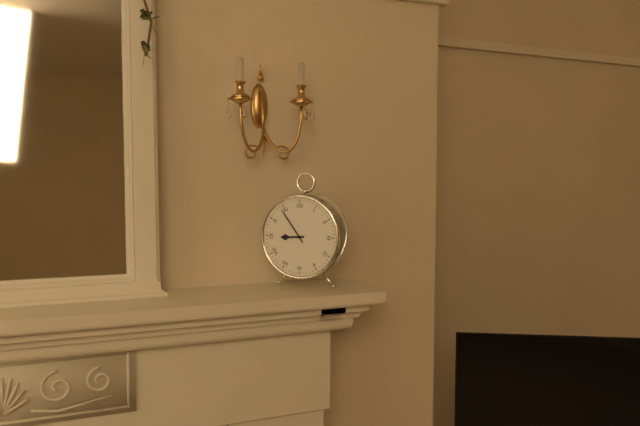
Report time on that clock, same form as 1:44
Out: 8:54
